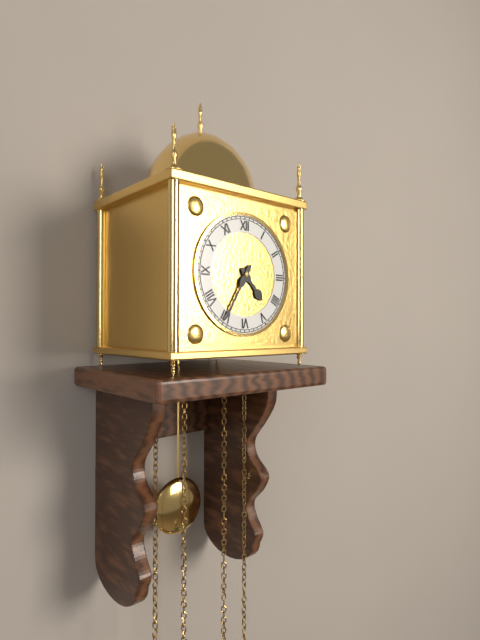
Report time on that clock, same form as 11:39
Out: 4:35
